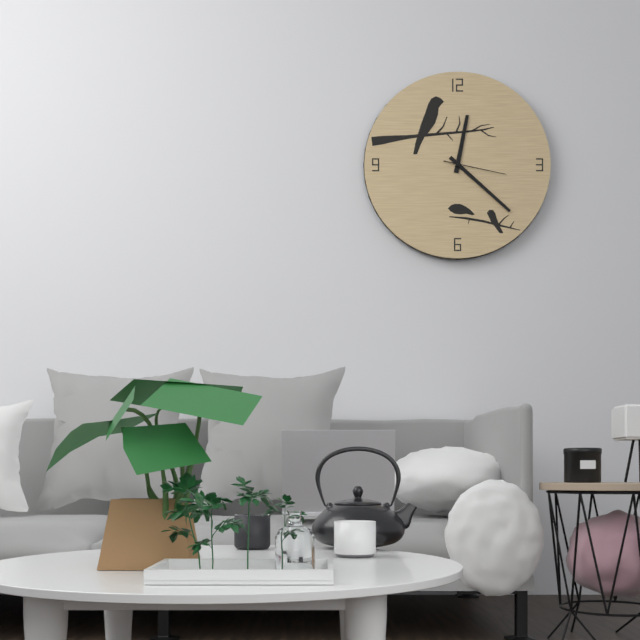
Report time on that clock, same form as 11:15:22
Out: 12:22:17
